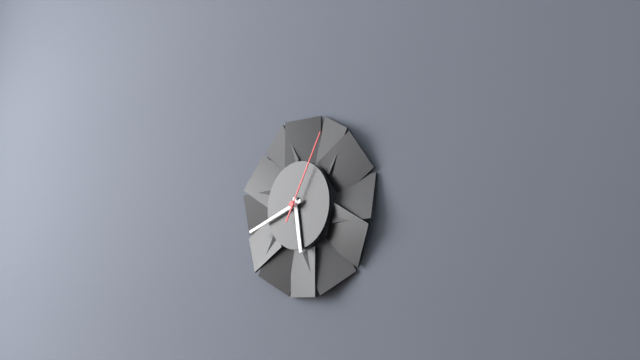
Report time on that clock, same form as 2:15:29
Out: 5:42:05
